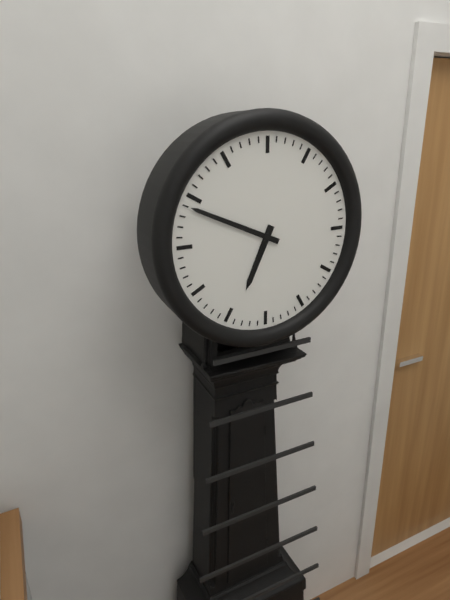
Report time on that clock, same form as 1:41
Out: 6:49
